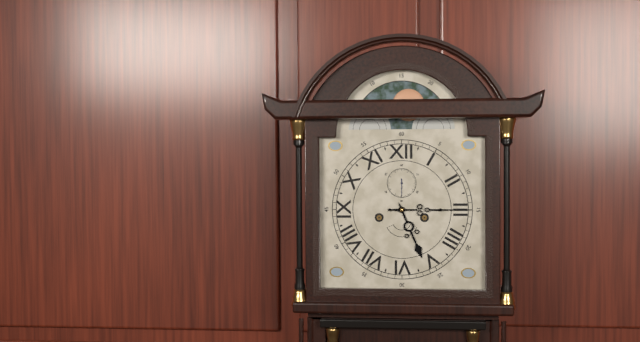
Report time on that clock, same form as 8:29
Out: 5:15
